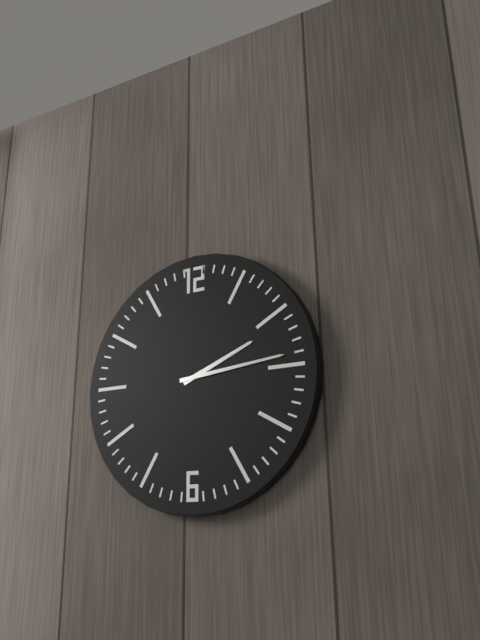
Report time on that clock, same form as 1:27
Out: 2:14
